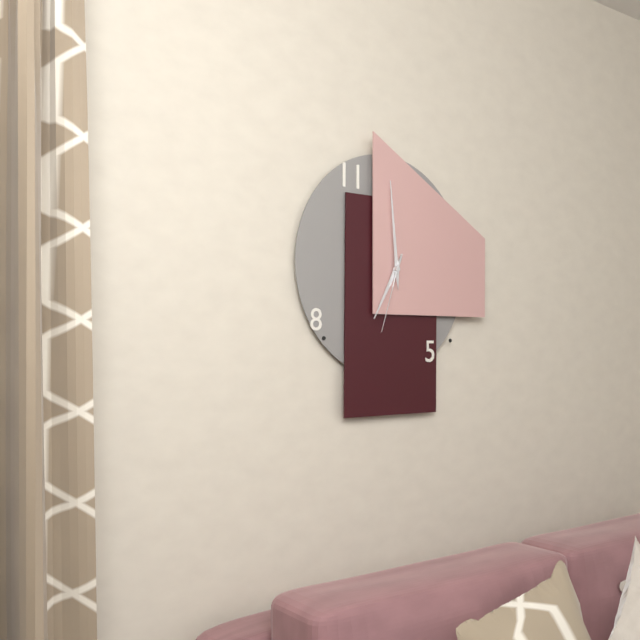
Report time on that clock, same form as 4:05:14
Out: 6:59:33
